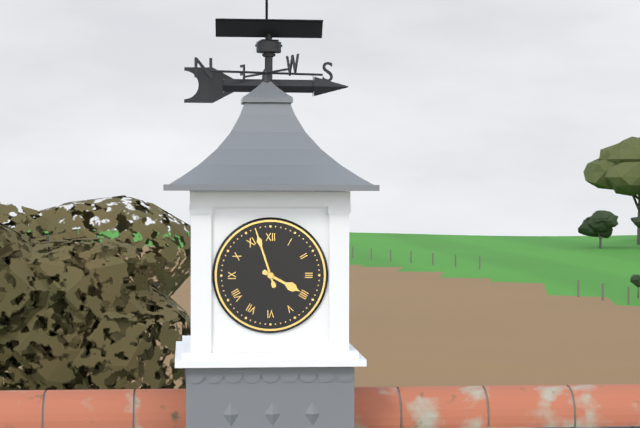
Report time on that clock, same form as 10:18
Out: 3:57
